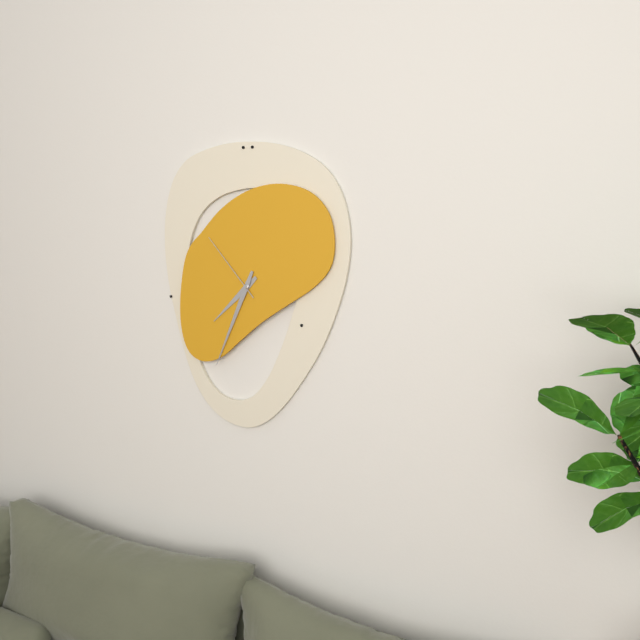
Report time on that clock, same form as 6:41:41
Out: 7:34:53
